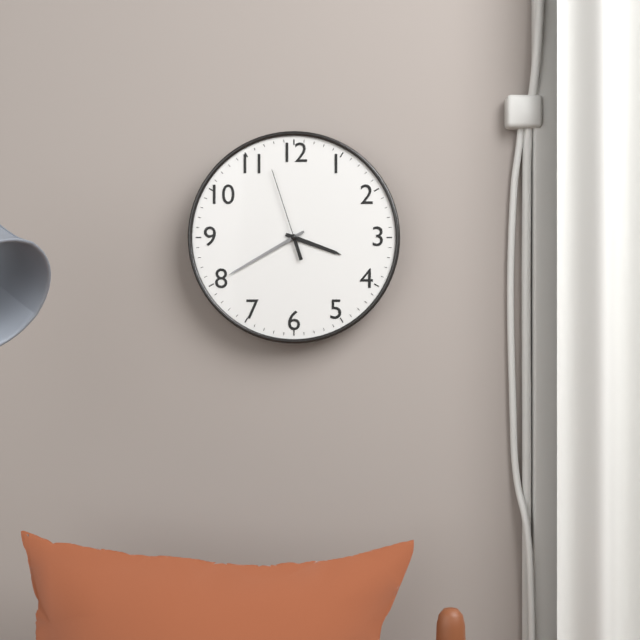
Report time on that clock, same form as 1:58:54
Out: 3:40:57
